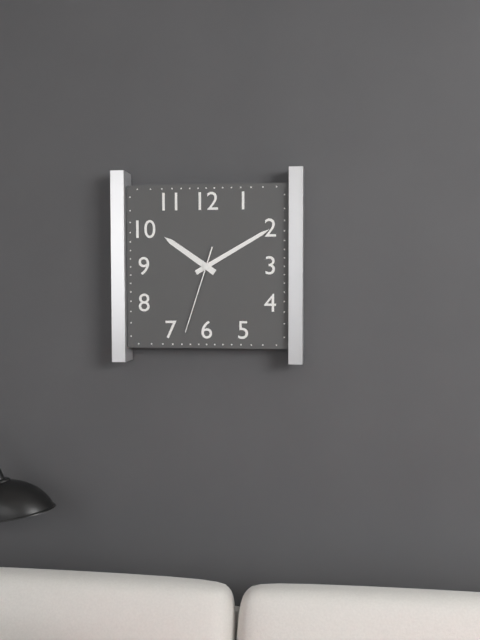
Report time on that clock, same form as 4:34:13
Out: 10:10:33
